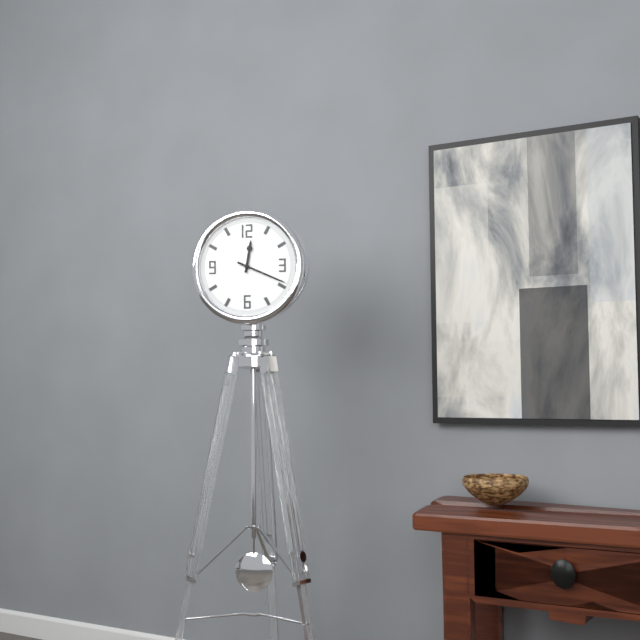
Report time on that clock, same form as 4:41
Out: 12:19
